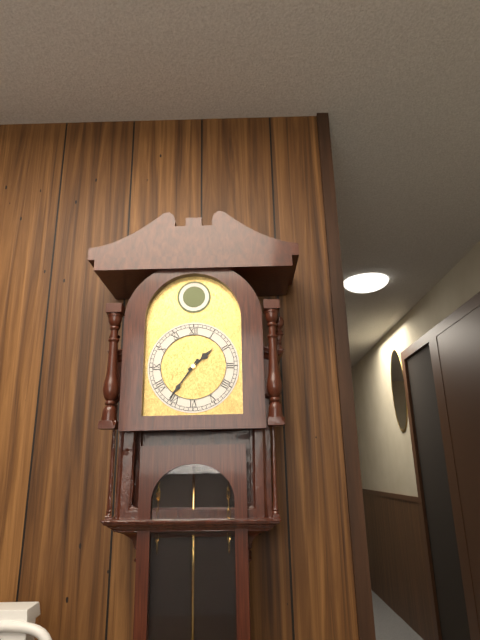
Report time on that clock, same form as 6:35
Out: 1:36
